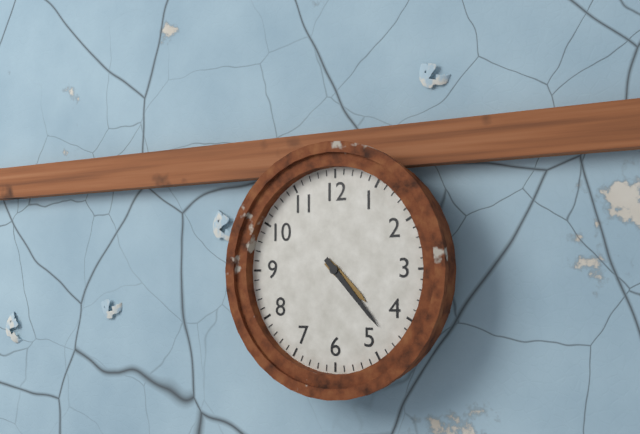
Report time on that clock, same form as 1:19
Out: 4:23
